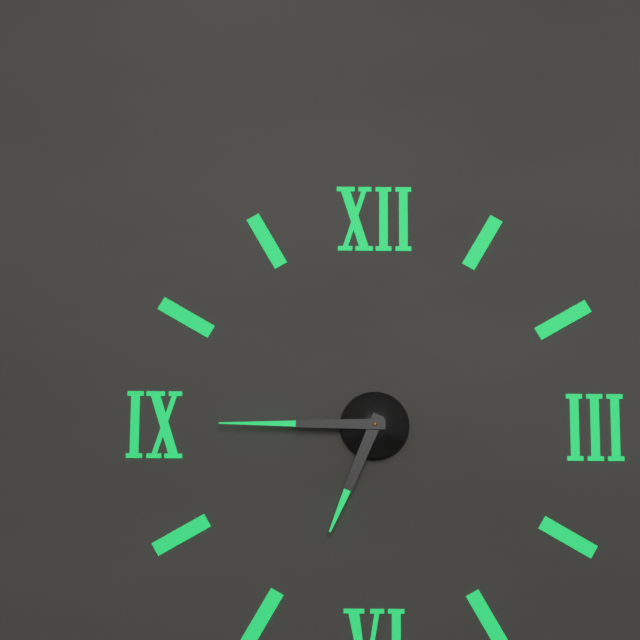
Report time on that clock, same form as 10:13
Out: 6:45
